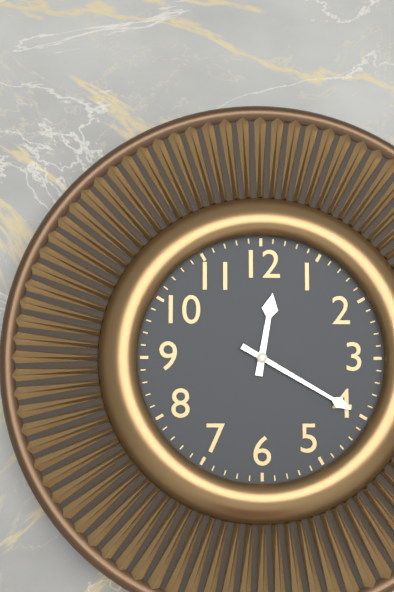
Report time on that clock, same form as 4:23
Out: 12:20
